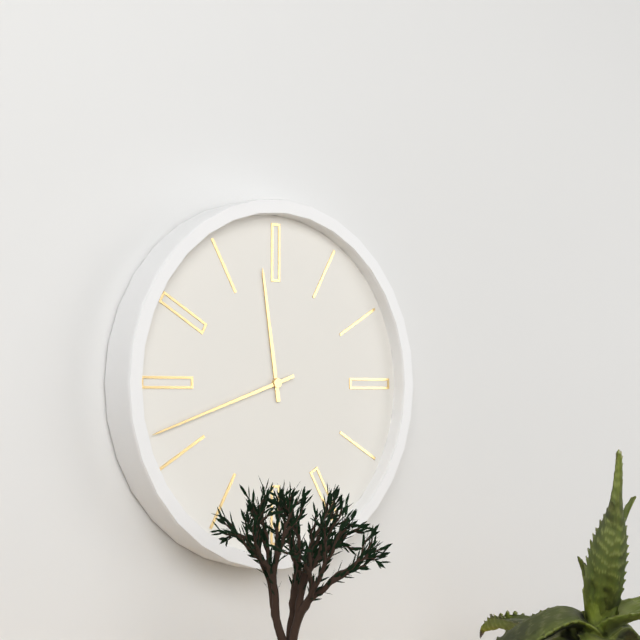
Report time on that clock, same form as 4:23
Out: 11:42
